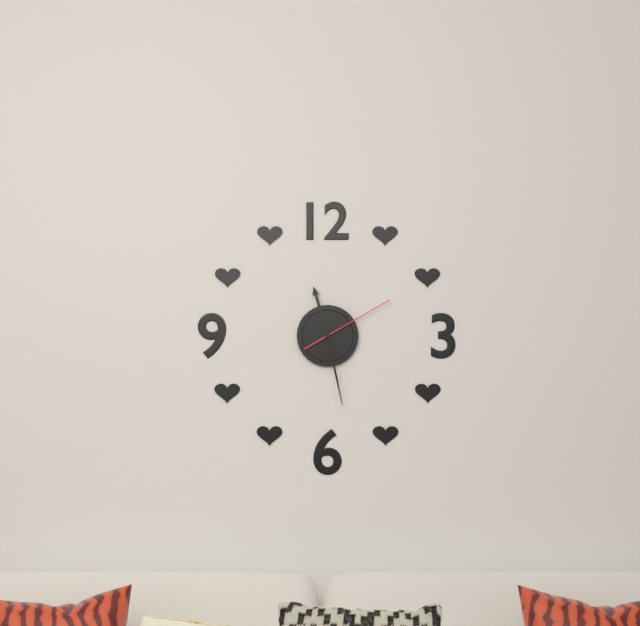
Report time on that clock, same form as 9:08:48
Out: 11:28:10
